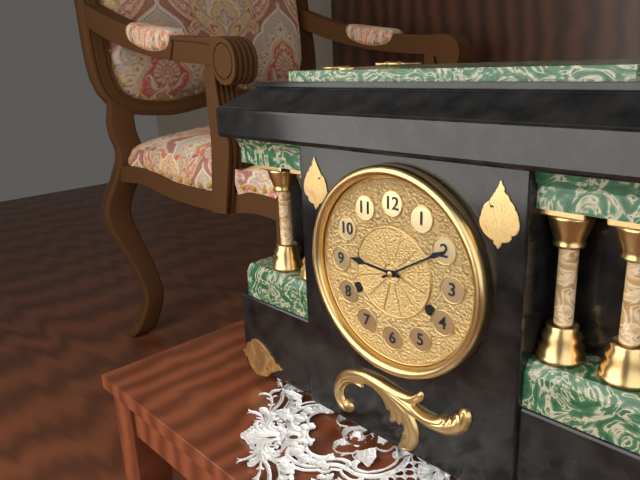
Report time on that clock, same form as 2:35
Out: 9:10
